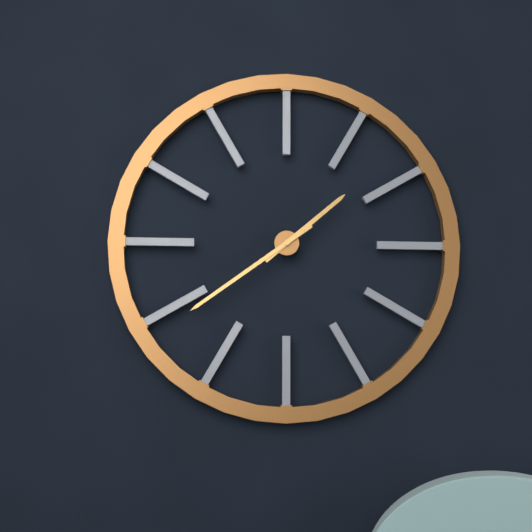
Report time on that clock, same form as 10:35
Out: 1:39
